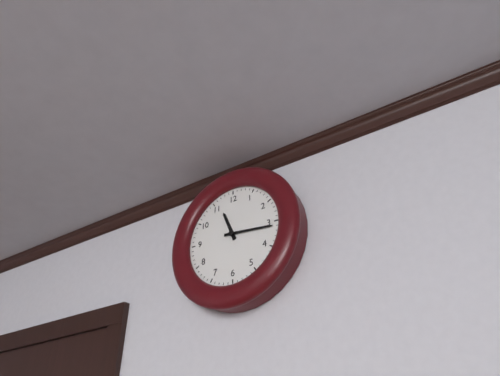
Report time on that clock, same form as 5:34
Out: 11:16
